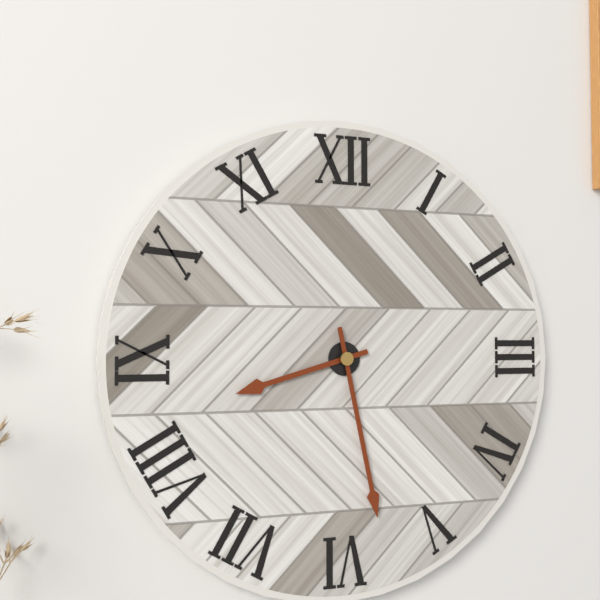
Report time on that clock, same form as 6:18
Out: 8:28
